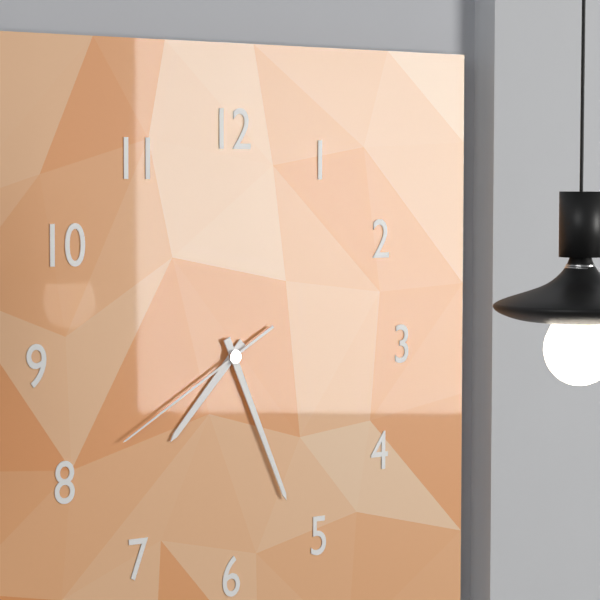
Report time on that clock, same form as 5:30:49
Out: 7:26:40
